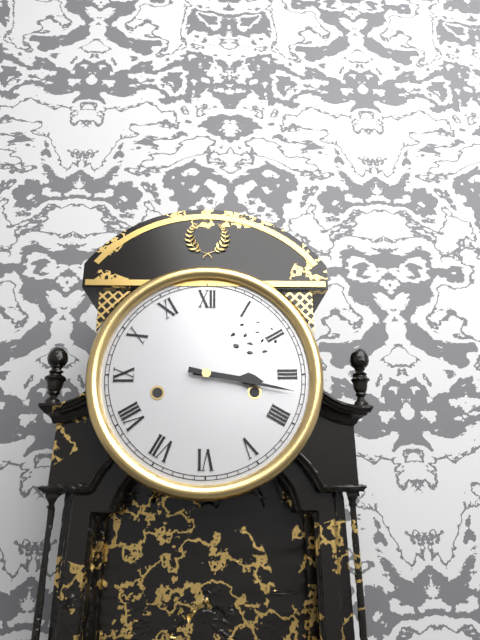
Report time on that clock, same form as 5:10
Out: 3:17
